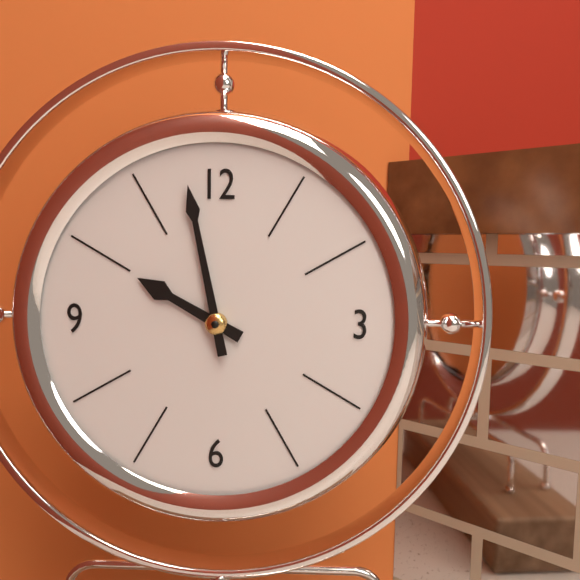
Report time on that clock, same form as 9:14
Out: 9:58
